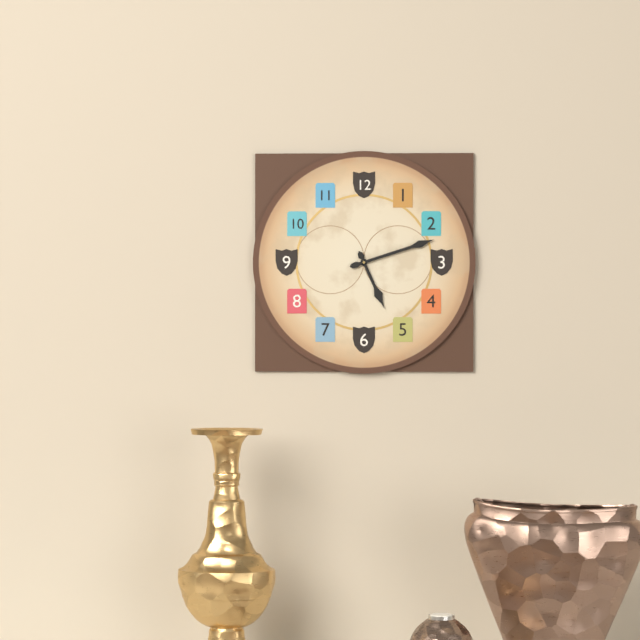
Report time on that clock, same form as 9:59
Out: 5:12
